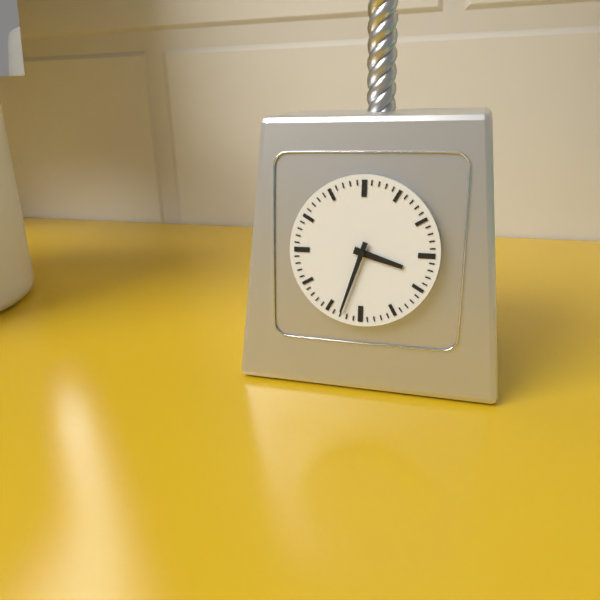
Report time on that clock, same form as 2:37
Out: 3:33
